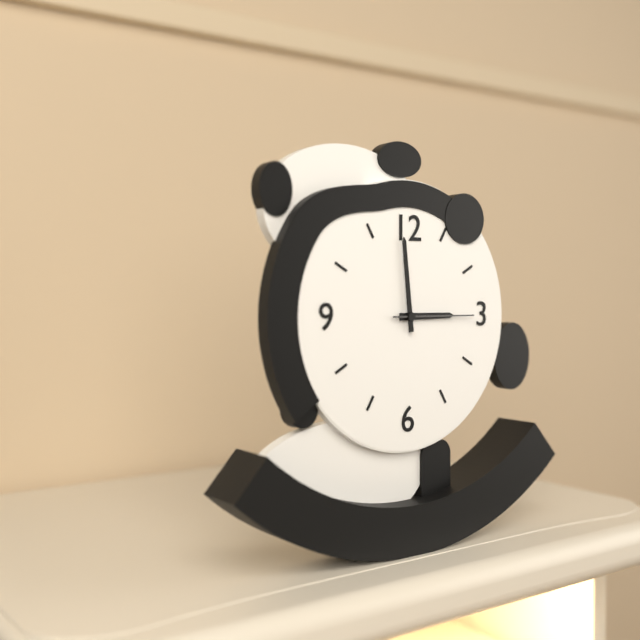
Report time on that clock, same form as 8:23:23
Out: 2:59:15
